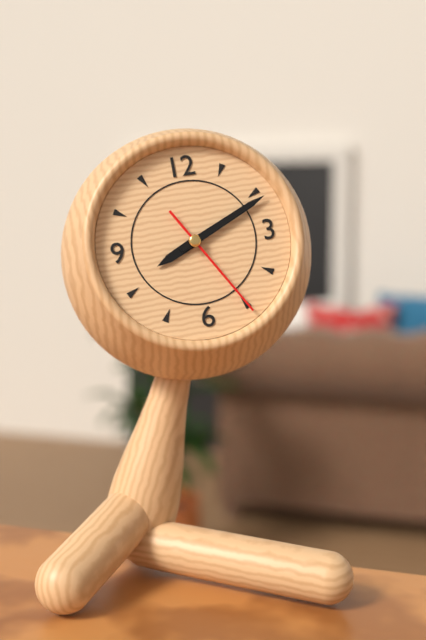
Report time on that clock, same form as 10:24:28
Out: 8:11:25
